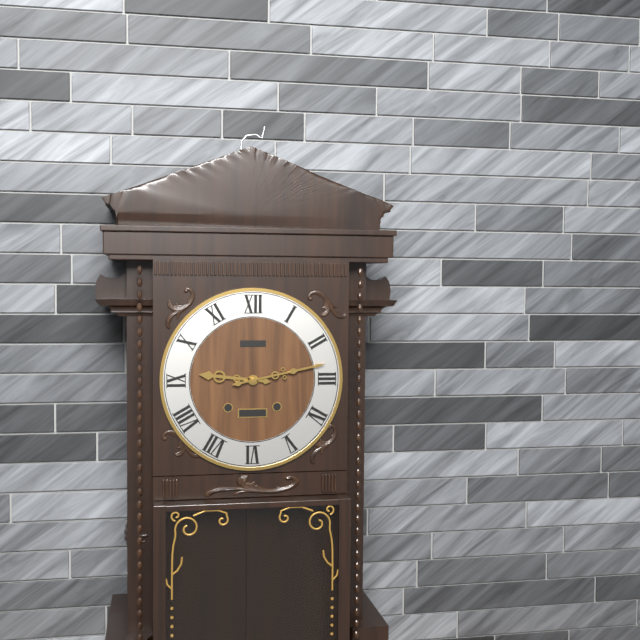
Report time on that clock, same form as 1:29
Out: 9:13
